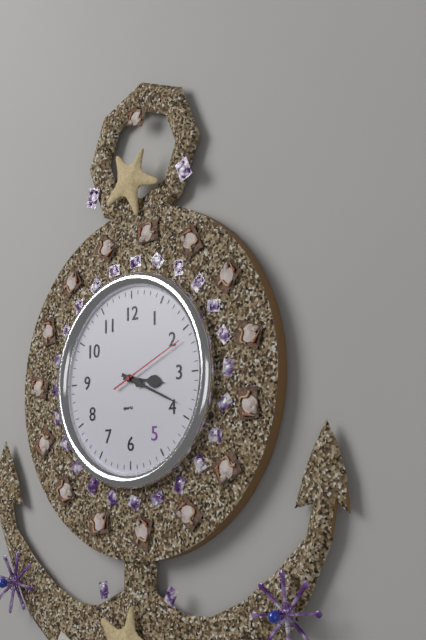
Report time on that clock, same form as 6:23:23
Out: 3:19:11
